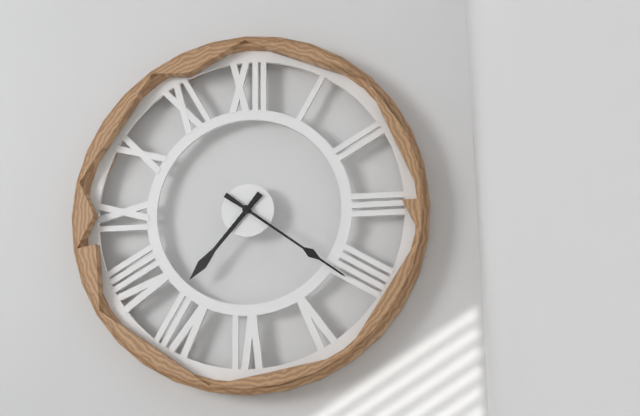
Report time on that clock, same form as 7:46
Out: 7:21
